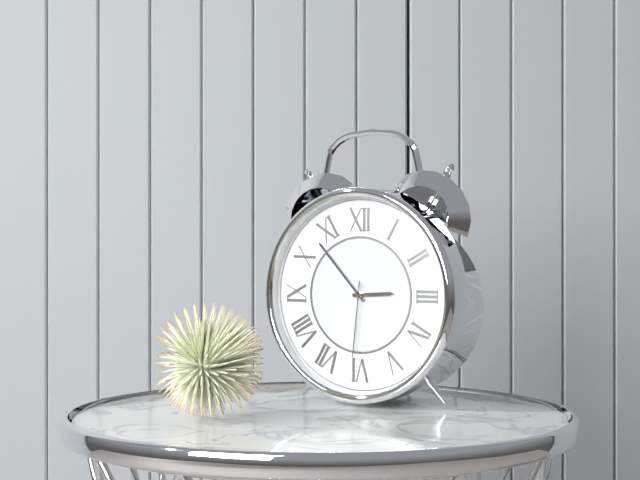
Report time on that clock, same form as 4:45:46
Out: 2:53:31
